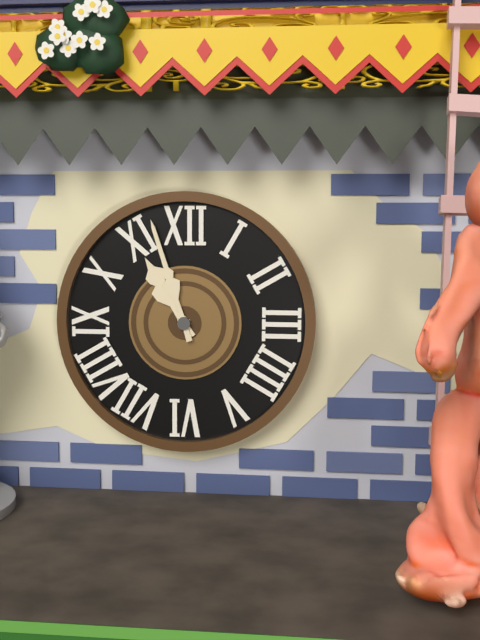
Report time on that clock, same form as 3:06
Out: 10:57
